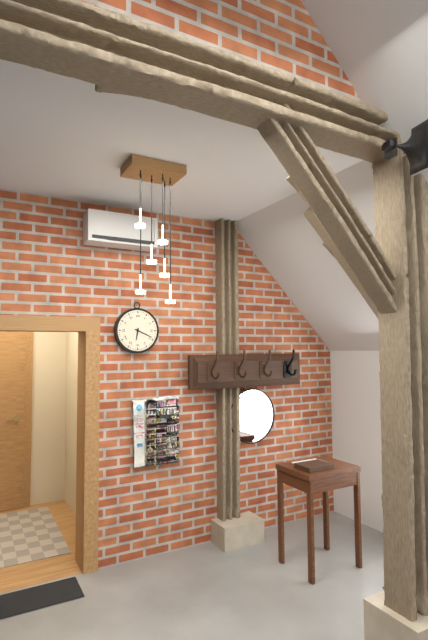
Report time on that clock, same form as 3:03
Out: 6:19
